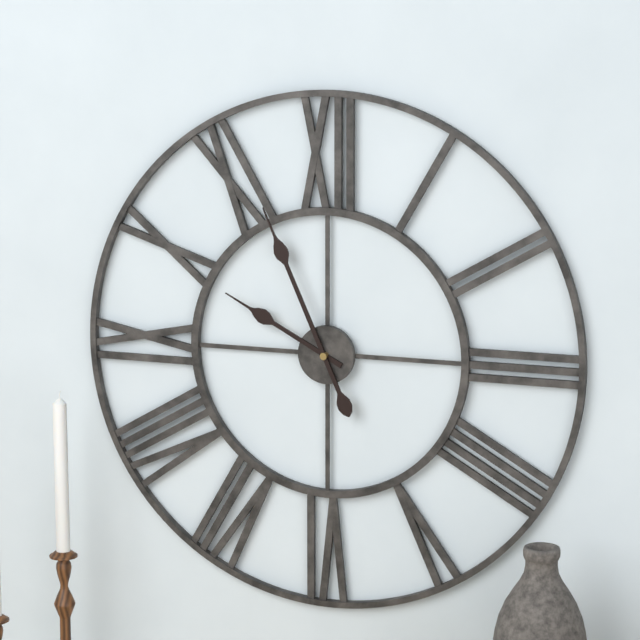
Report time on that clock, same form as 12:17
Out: 9:56
